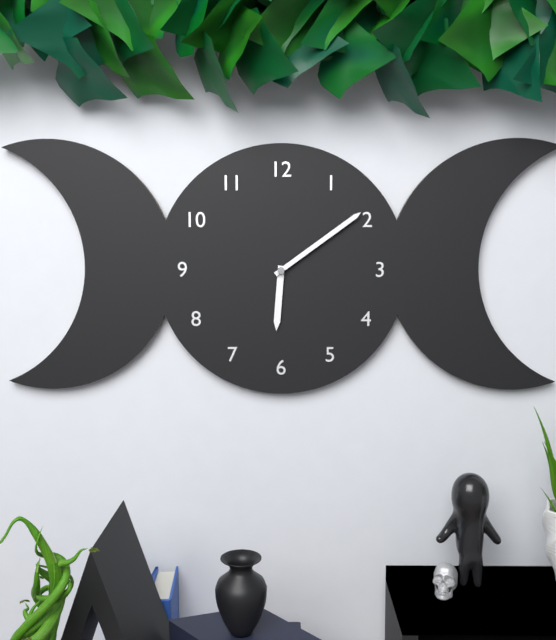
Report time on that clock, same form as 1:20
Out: 6:09
